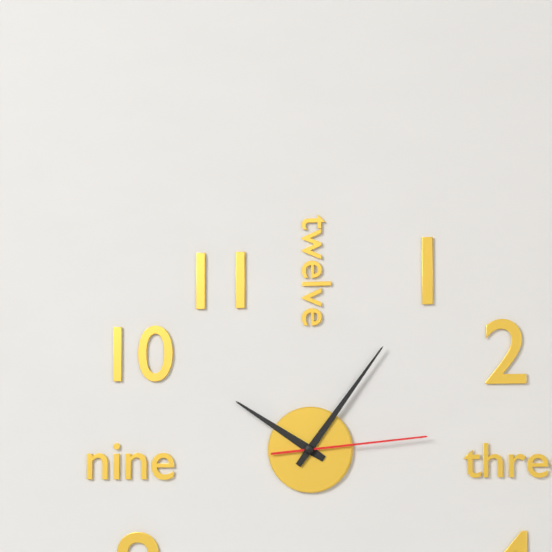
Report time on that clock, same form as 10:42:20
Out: 10:06:14
